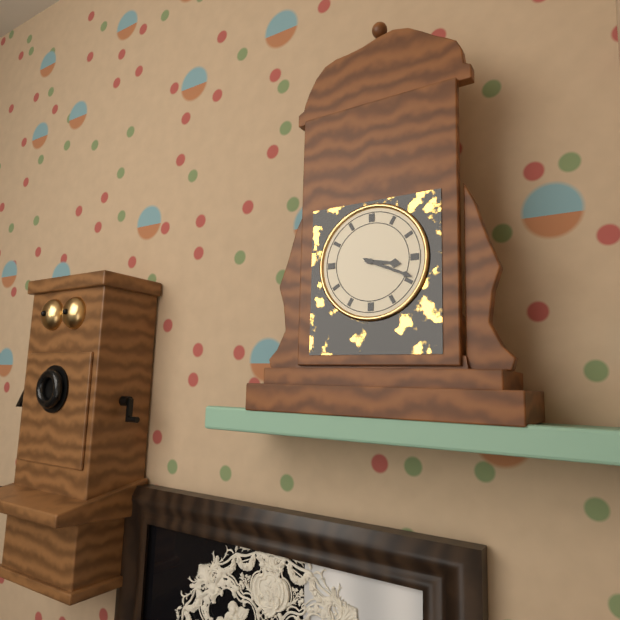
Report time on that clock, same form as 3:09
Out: 3:19
